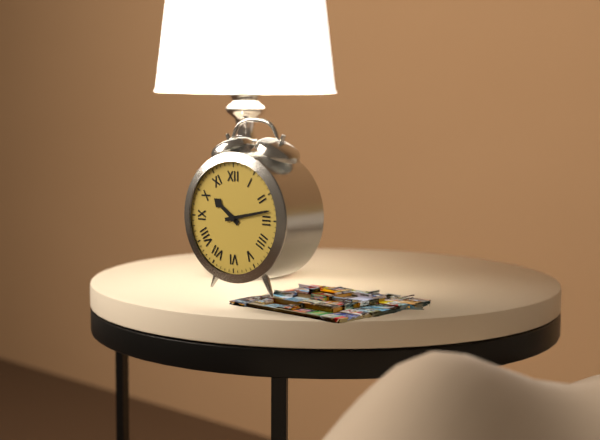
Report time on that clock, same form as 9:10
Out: 10:13
